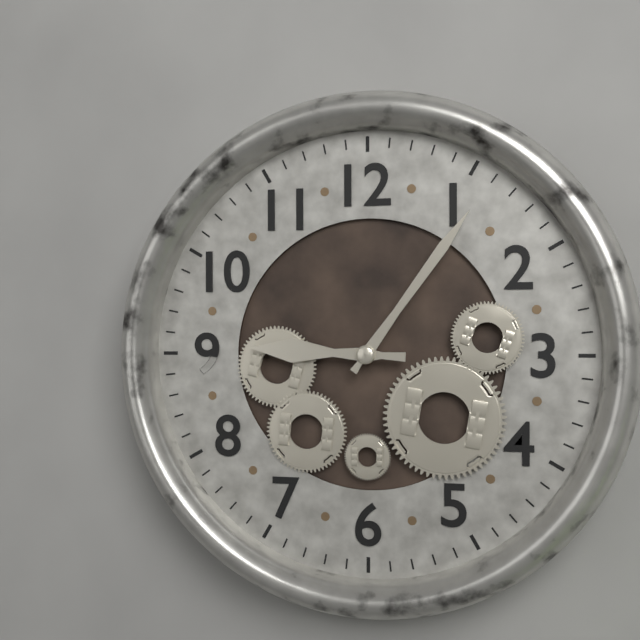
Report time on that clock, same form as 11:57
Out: 9:06
